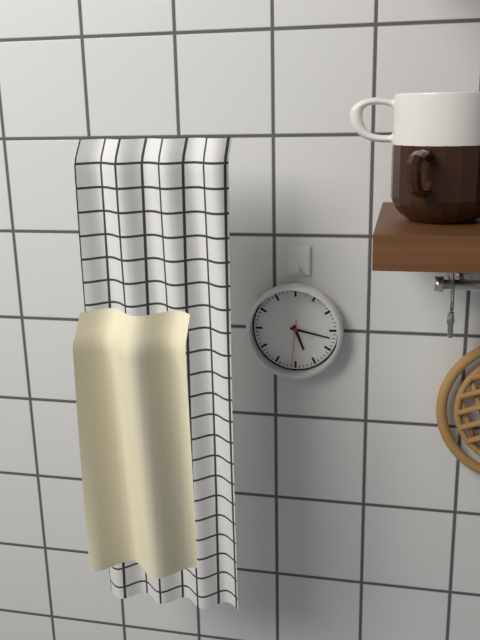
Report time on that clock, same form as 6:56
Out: 5:17
